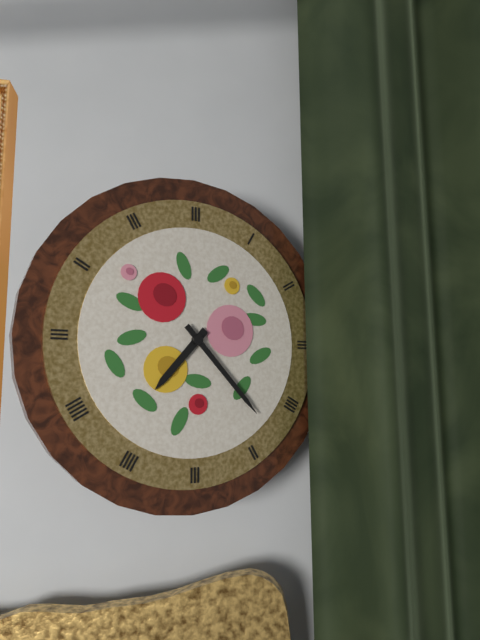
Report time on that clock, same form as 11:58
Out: 7:23
